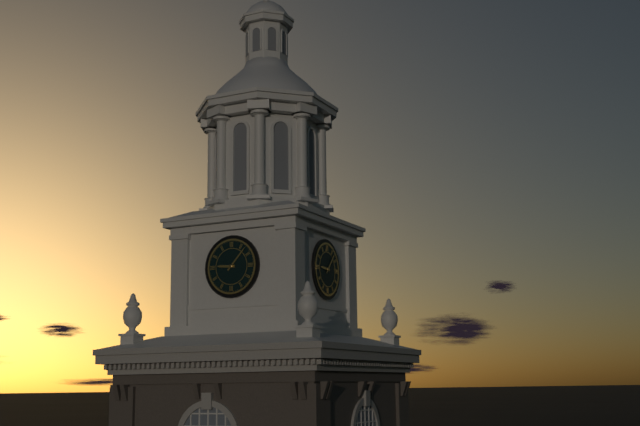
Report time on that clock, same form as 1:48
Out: 9:07
